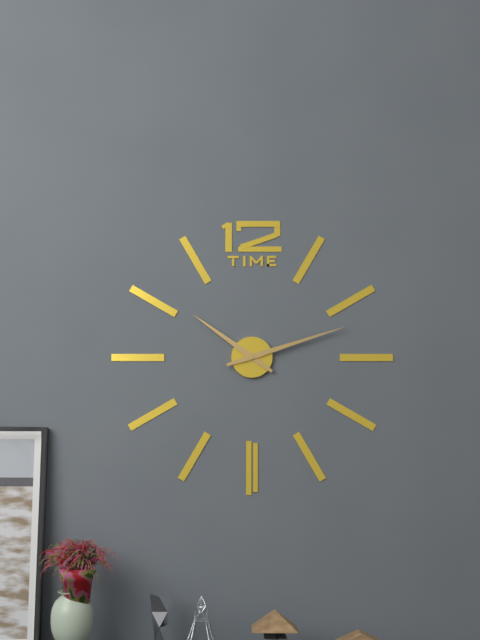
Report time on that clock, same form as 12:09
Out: 10:12
